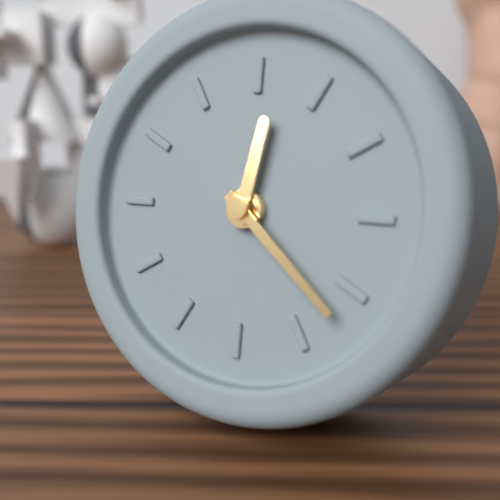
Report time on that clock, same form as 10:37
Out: 12:22
